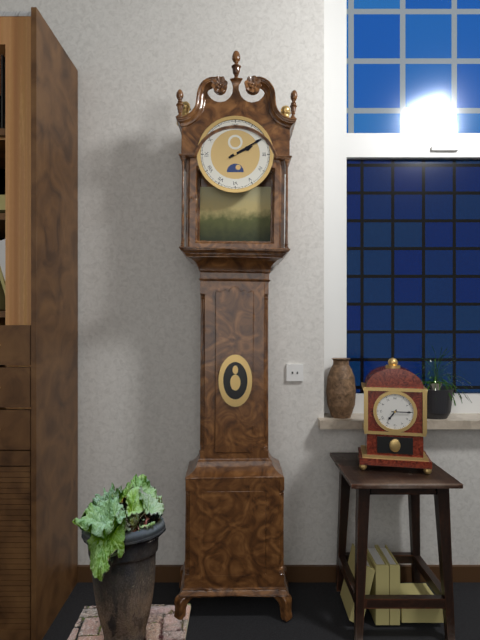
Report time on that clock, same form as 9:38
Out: 2:10
